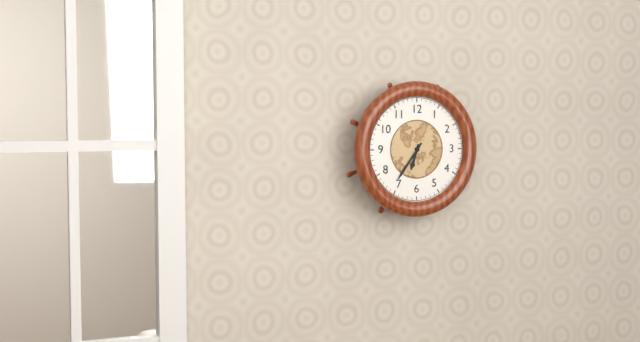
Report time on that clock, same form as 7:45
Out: 6:36
